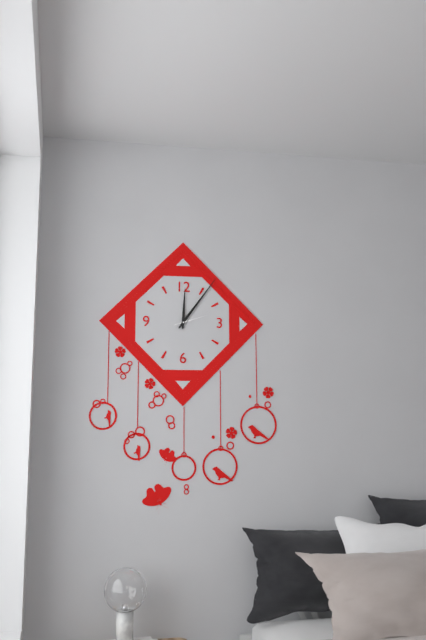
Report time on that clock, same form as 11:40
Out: 12:06
